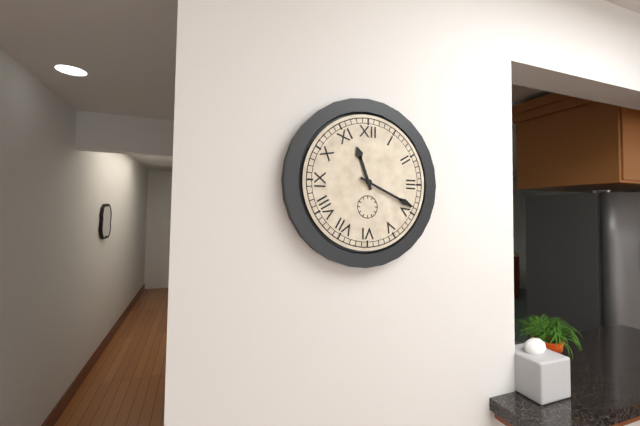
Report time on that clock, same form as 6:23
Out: 11:19
